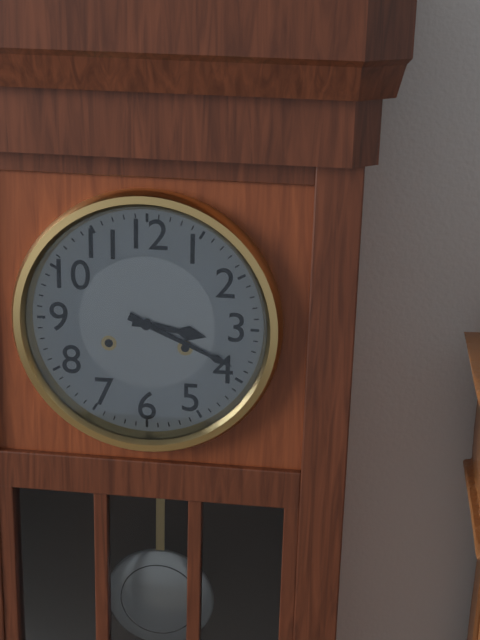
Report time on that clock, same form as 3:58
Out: 3:19
